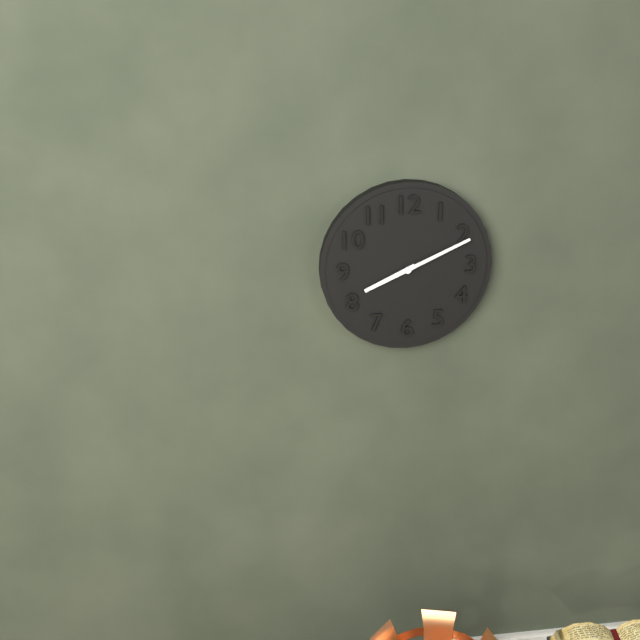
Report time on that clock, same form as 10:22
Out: 8:11
